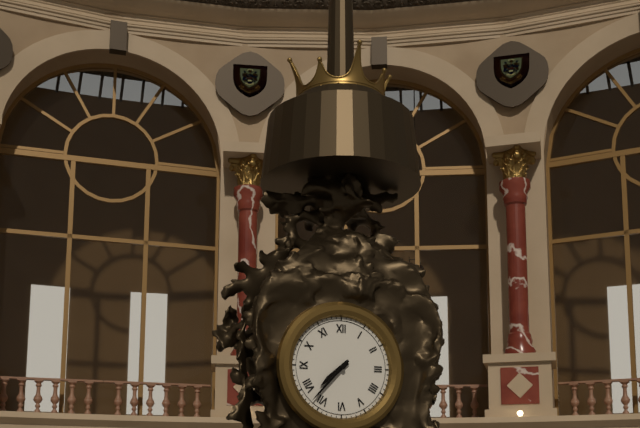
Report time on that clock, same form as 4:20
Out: 7:37
